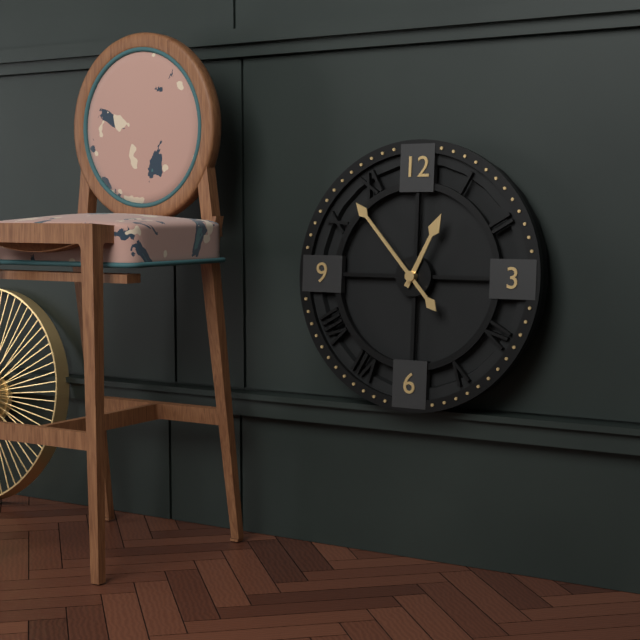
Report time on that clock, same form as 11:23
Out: 12:53
